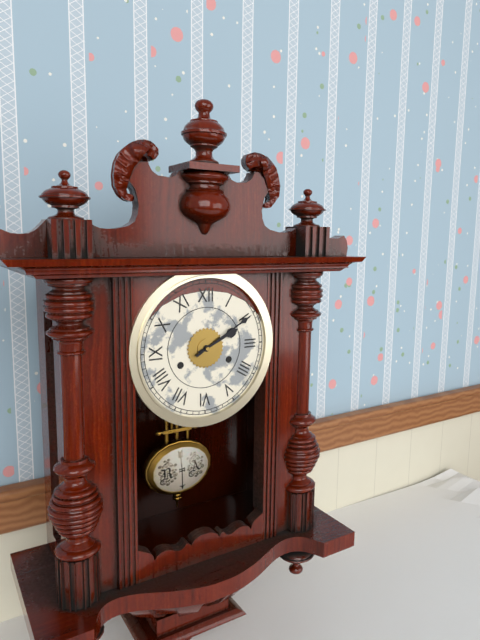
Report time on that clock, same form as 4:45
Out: 2:10
